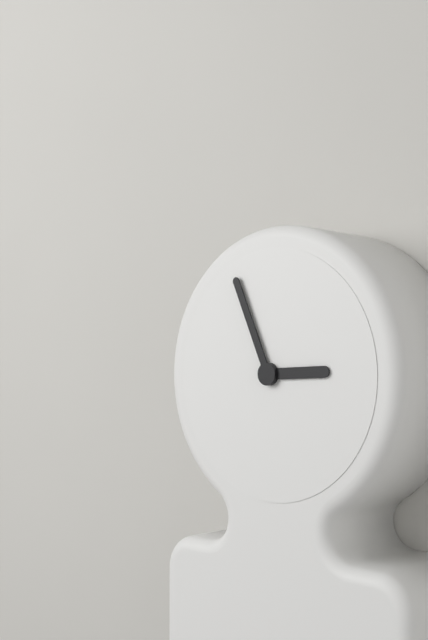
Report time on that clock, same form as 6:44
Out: 2:56
